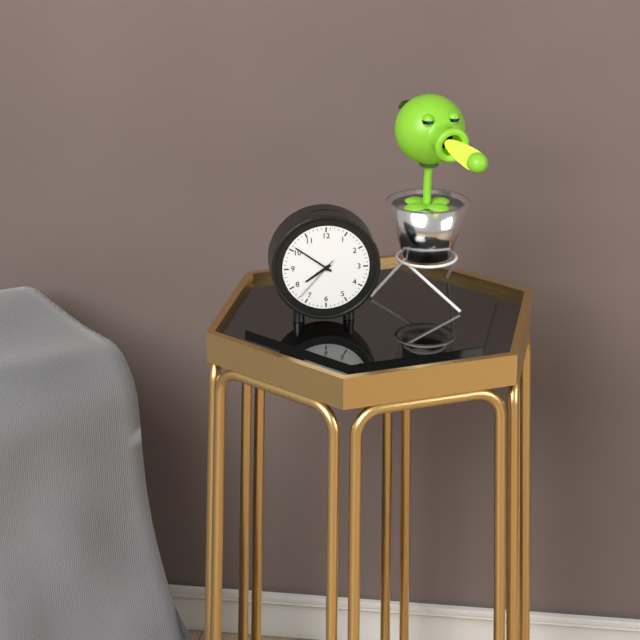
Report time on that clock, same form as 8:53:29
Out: 7:51:37
